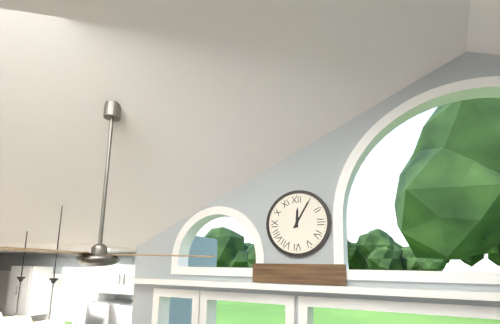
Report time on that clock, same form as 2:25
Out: 12:05
